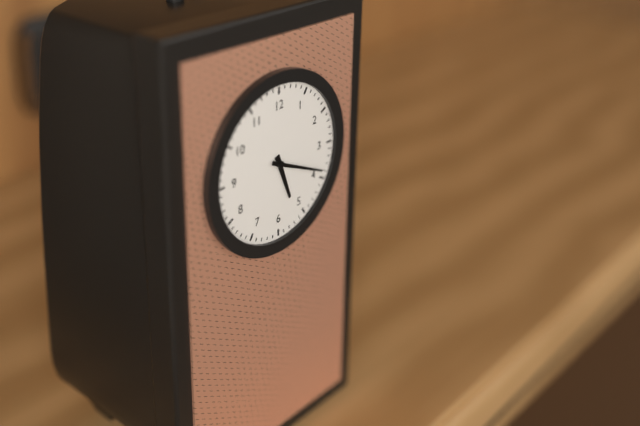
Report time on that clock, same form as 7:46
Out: 5:19
